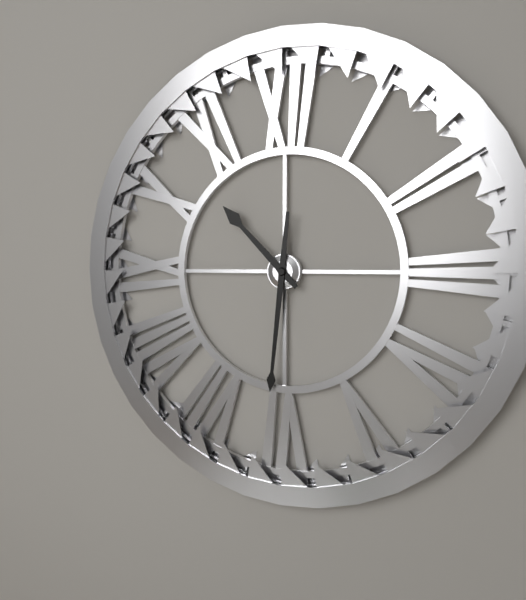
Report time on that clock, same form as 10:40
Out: 10:31
